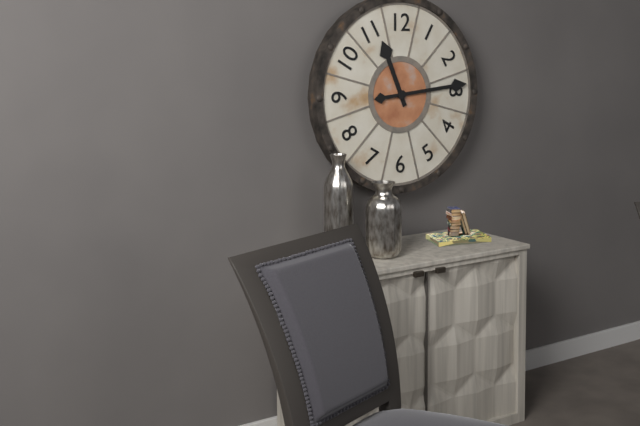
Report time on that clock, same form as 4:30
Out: 11:14
